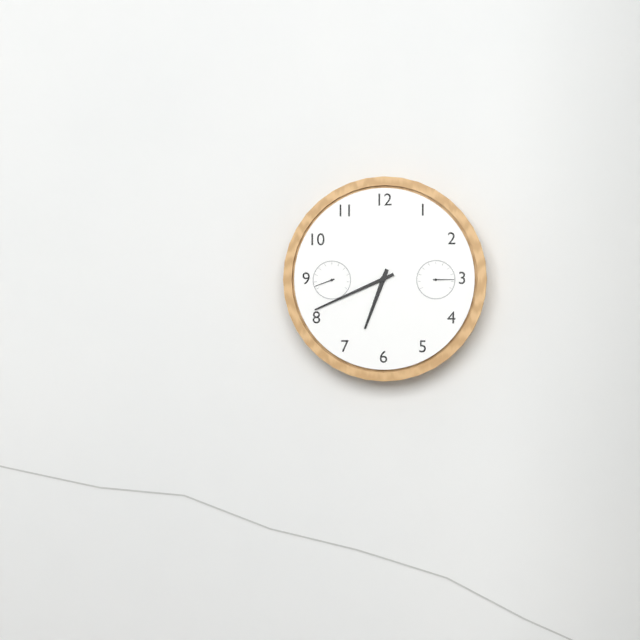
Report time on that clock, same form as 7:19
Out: 6:41
